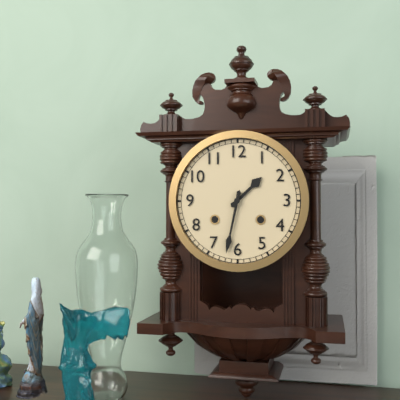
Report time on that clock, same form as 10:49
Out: 1:32
